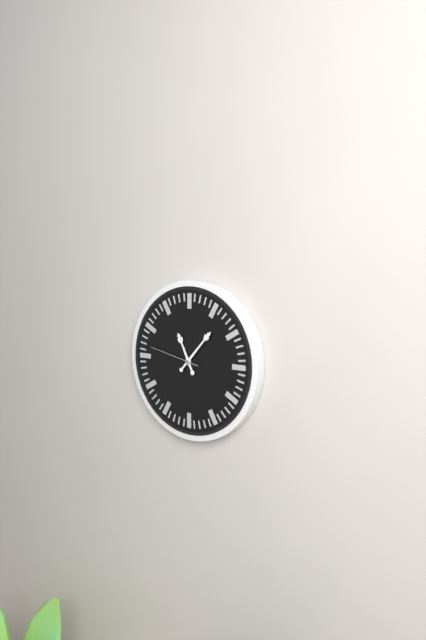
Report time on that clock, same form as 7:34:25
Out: 11:07:47
